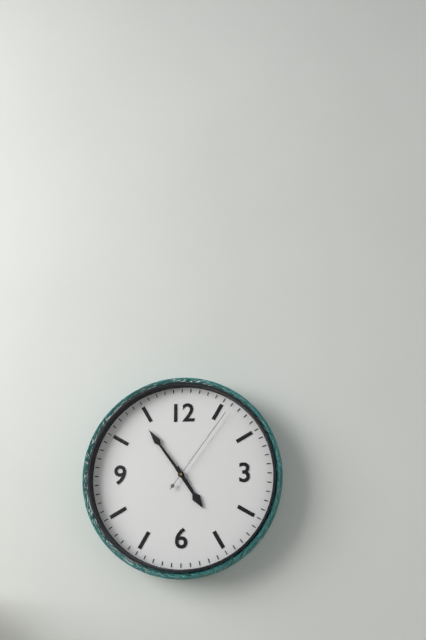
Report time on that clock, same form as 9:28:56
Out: 4:54:06
